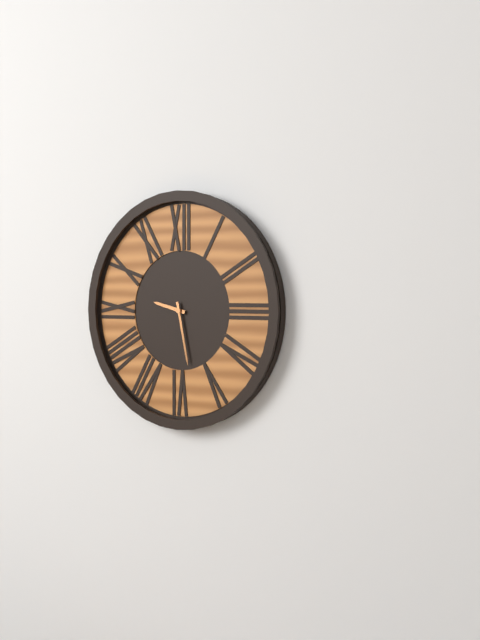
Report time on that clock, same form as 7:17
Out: 9:28
